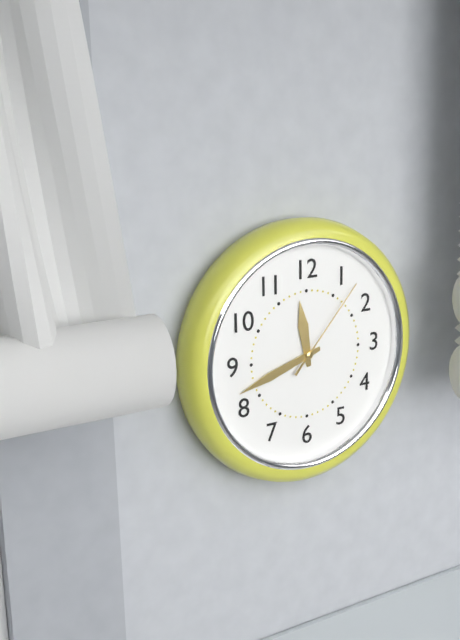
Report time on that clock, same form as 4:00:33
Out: 11:42:07
